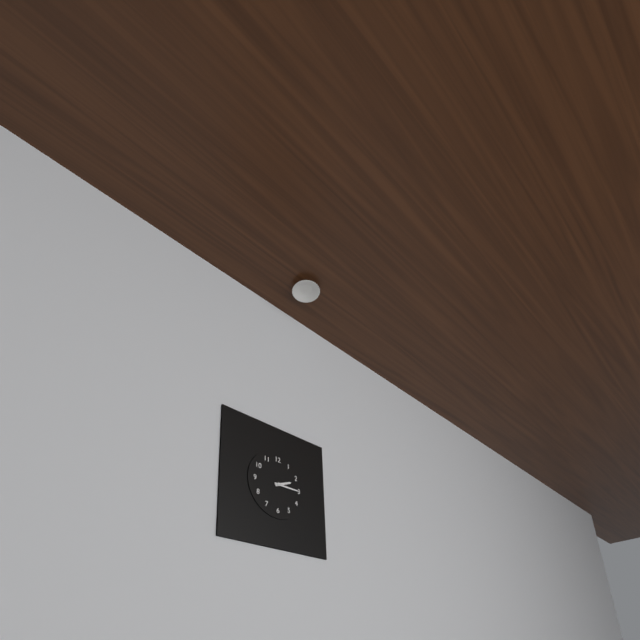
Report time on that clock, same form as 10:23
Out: 2:15
